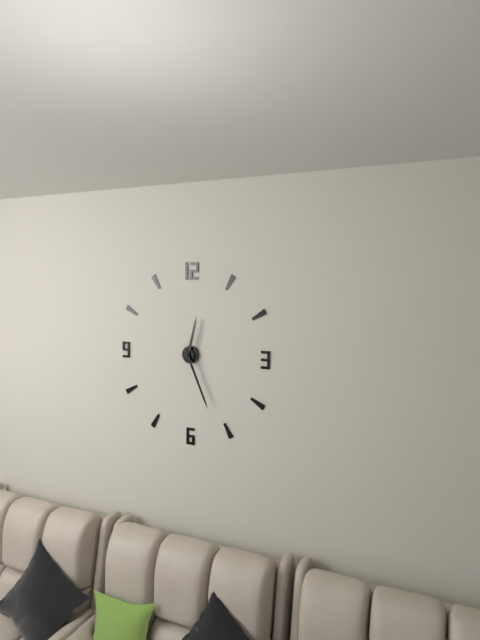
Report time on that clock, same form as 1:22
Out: 12:26
